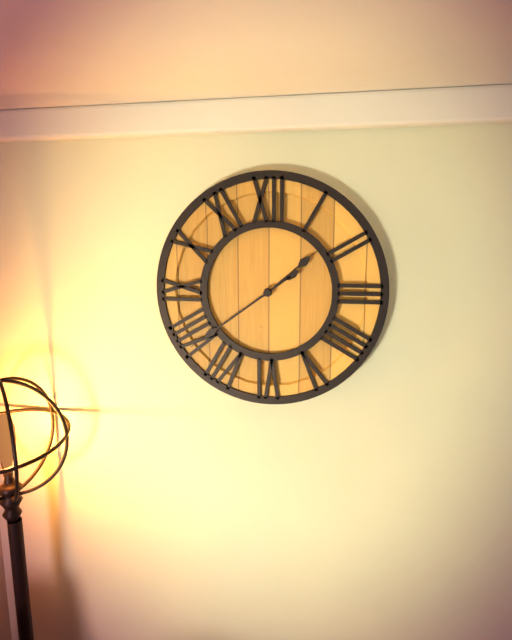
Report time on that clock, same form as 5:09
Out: 1:39
